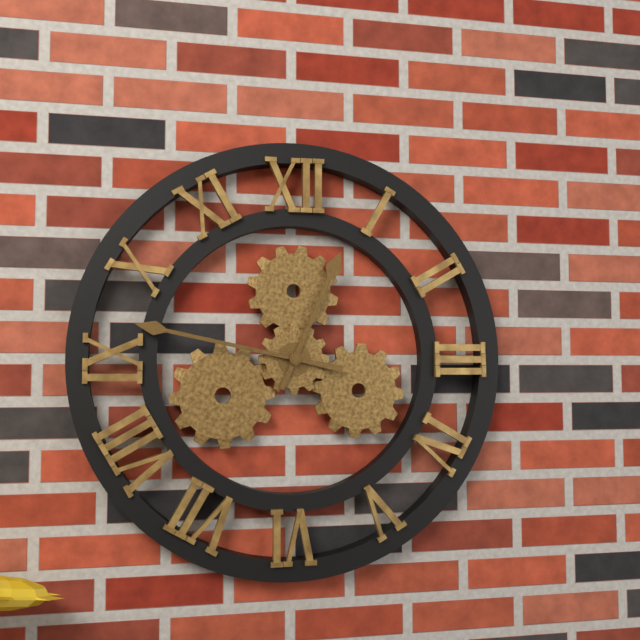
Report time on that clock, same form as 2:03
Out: 12:47
